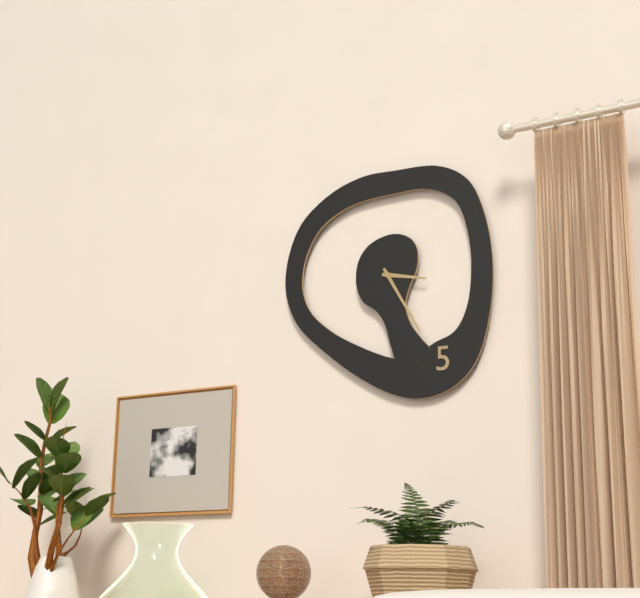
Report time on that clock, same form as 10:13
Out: 3:25
